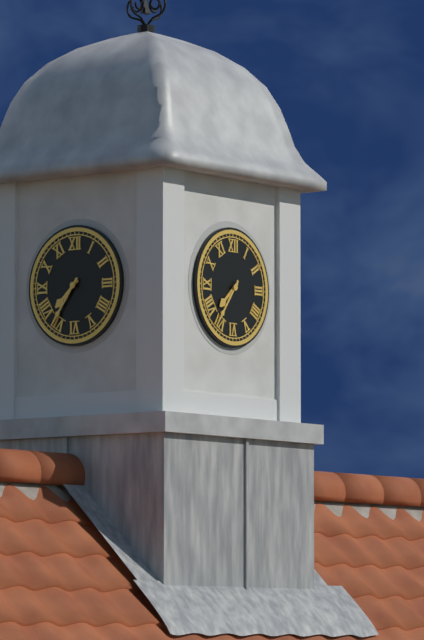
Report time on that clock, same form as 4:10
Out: 7:36
